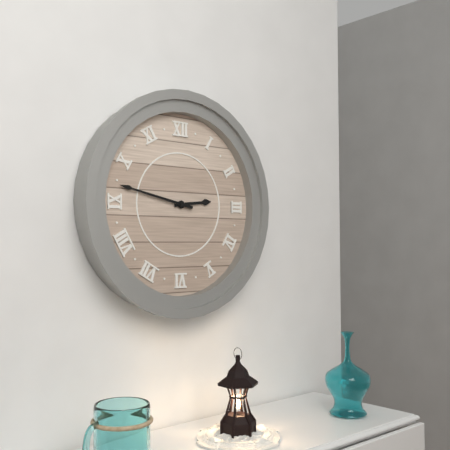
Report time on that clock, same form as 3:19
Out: 2:47
